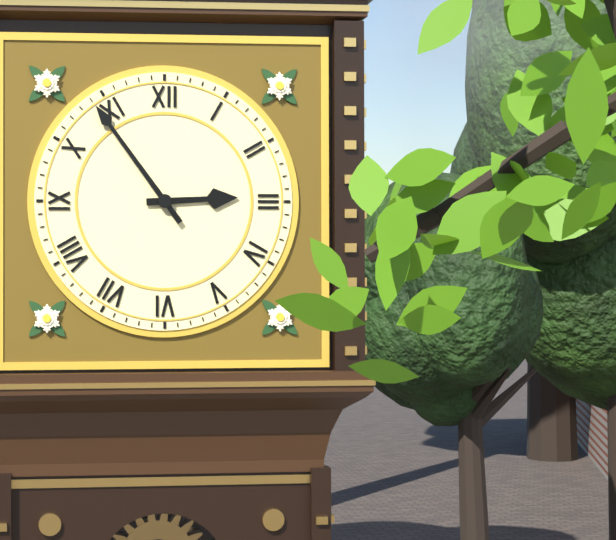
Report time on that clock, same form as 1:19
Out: 2:54
